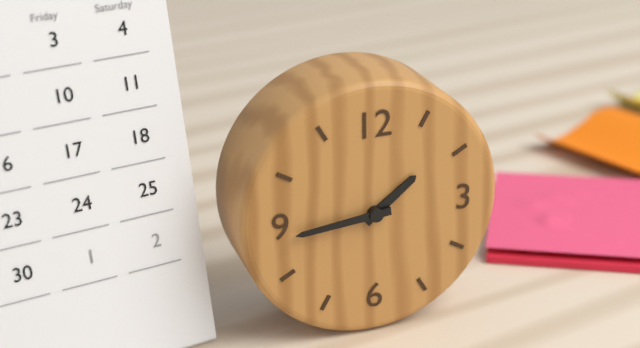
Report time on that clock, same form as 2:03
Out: 1:44
